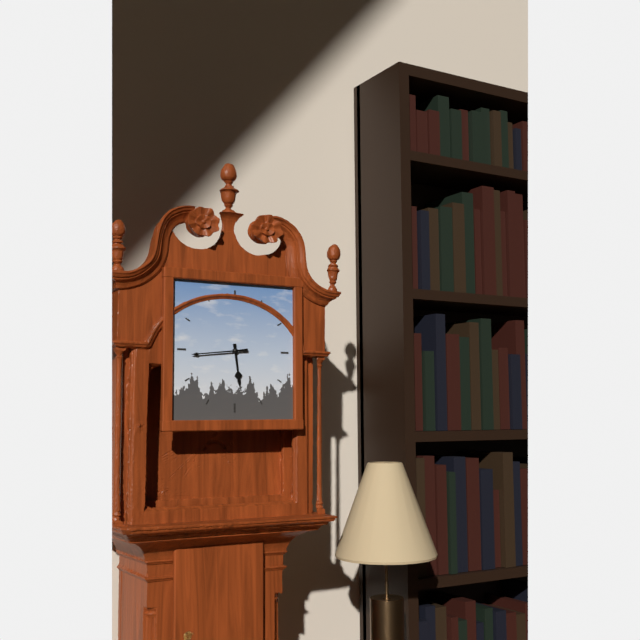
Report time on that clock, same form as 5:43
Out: 5:44
